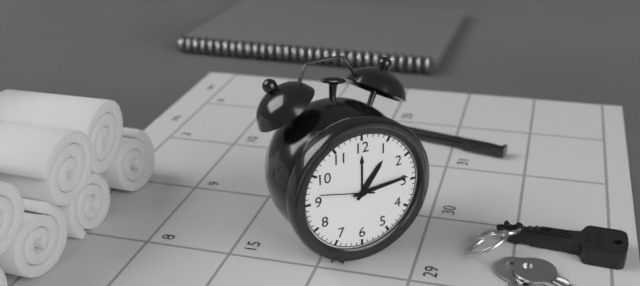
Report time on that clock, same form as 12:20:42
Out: 1:14:47
